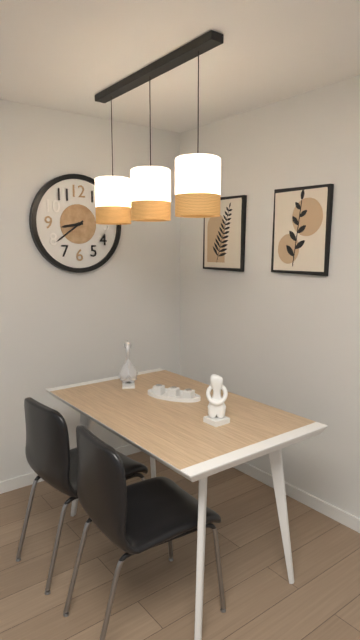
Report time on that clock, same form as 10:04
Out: 8:39
